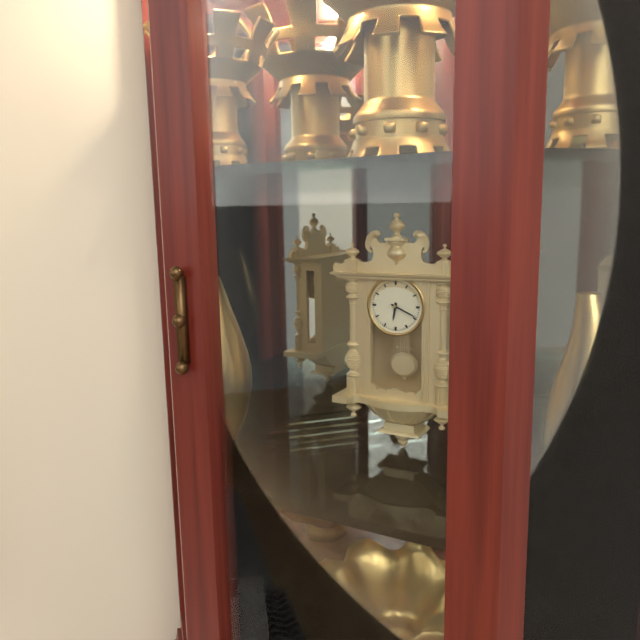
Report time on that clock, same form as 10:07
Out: 6:19
